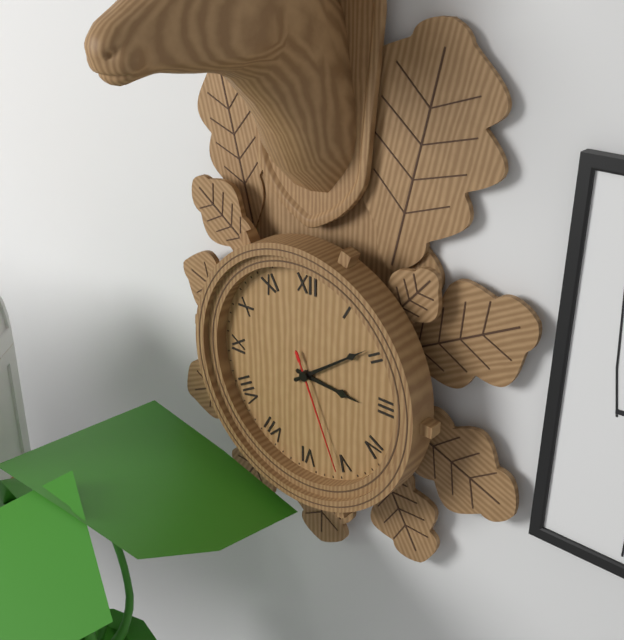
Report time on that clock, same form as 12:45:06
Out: 3:09:26
